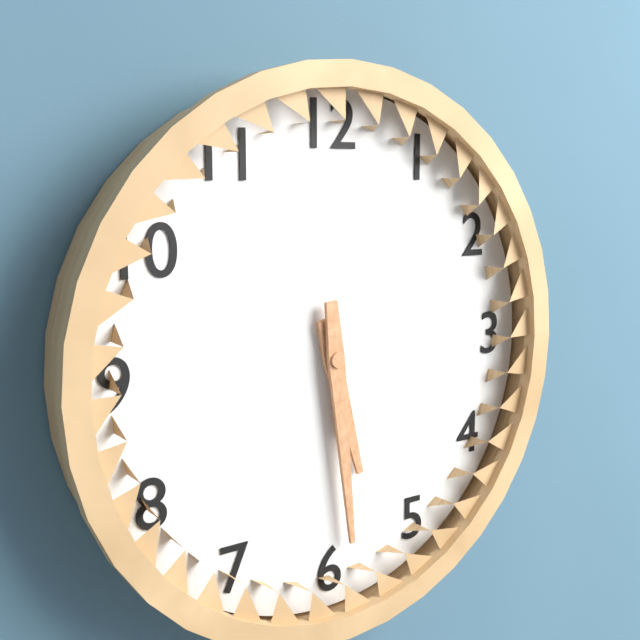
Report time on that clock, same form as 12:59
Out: 5:29
